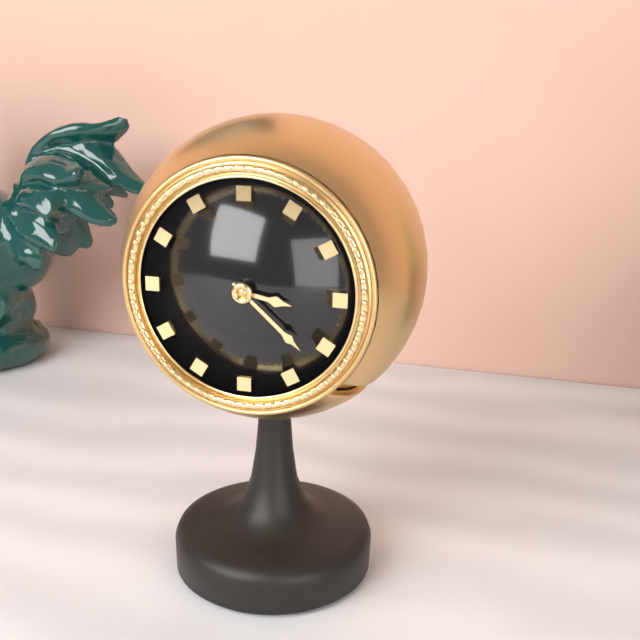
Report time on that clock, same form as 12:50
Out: 3:22
